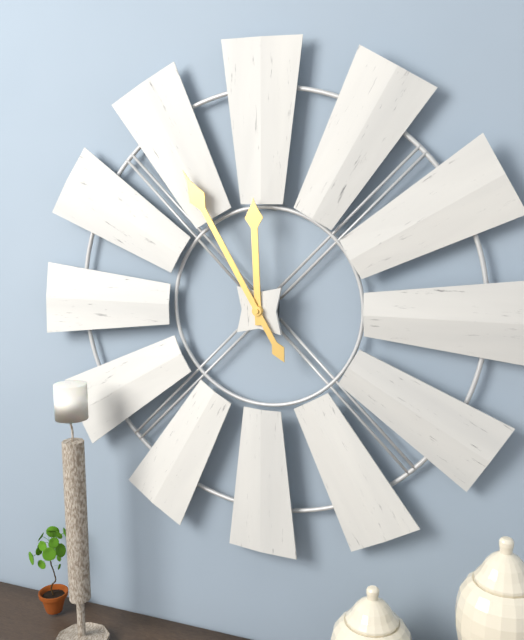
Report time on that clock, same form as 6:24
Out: 11:55
